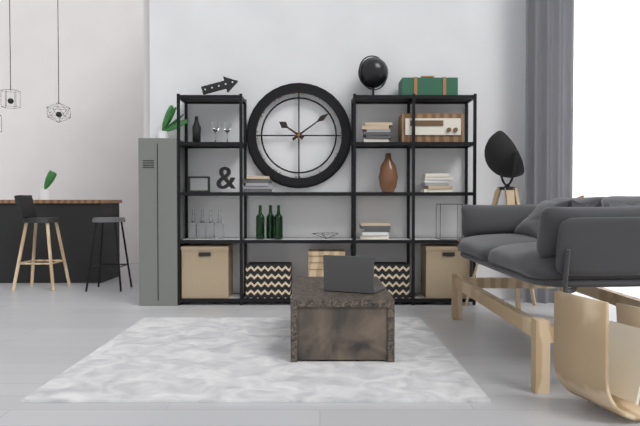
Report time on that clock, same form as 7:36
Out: 10:09
